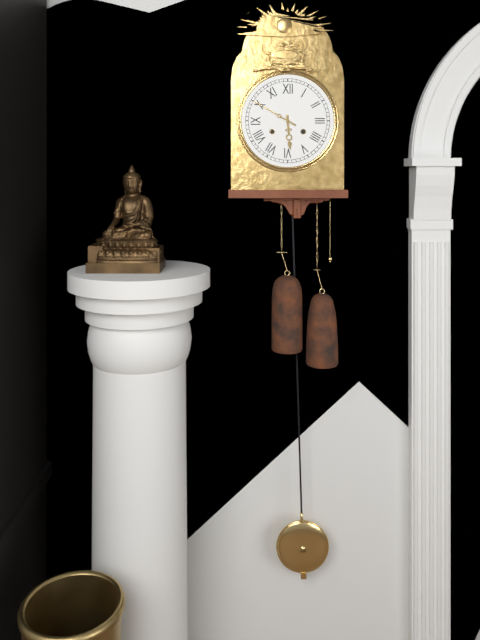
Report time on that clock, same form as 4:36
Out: 5:50
